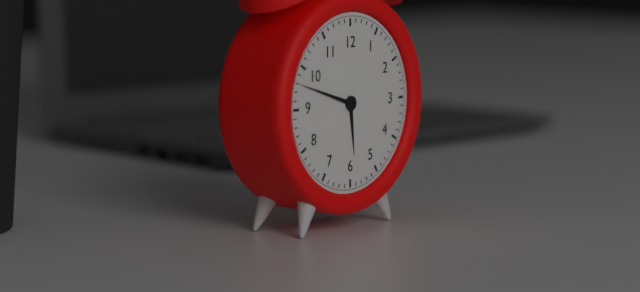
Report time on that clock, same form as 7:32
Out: 5:48
